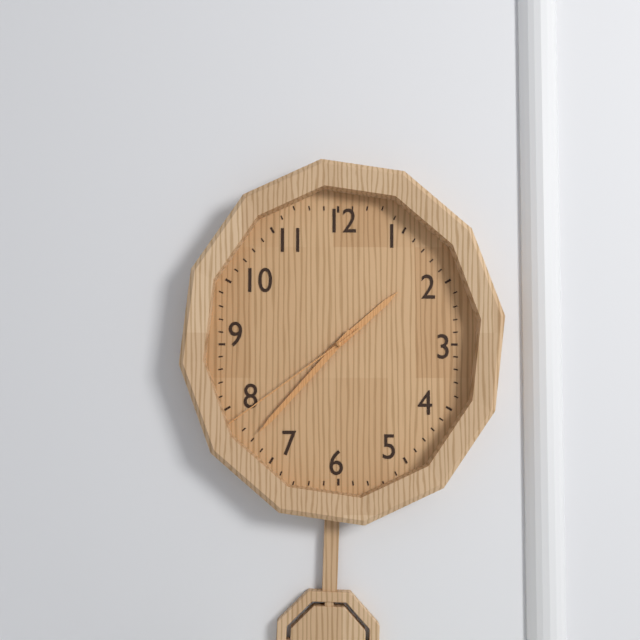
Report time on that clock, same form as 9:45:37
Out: 1:37:39
